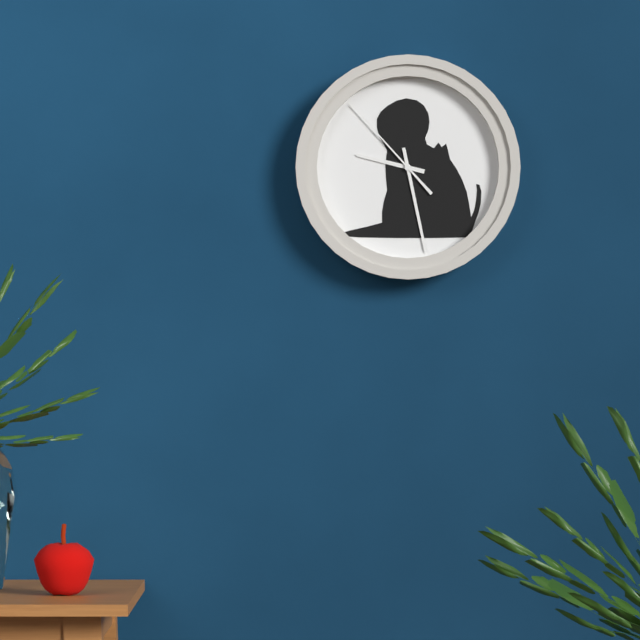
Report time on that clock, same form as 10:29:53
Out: 9:28:53
